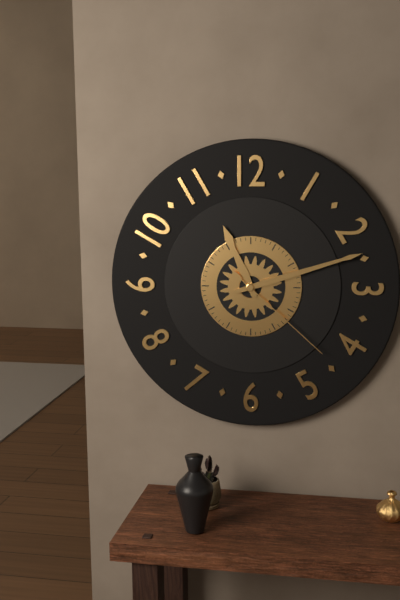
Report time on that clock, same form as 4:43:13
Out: 11:12:22
